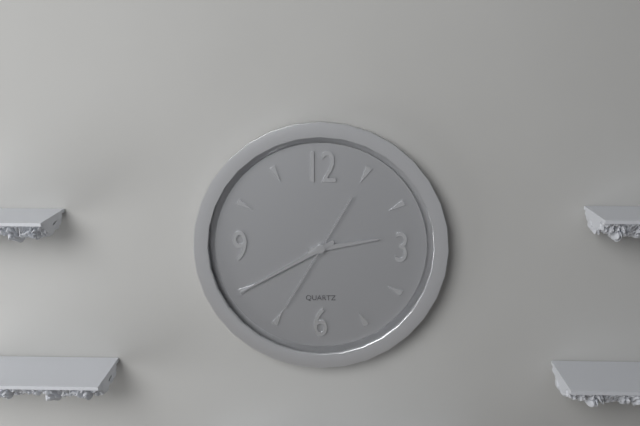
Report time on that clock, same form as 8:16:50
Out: 2:40:35
